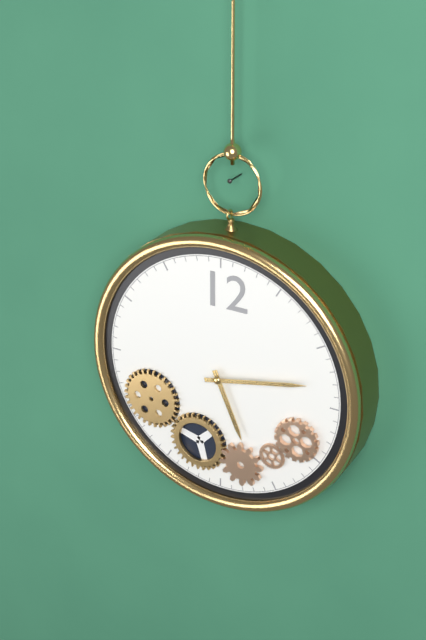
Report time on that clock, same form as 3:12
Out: 5:13
